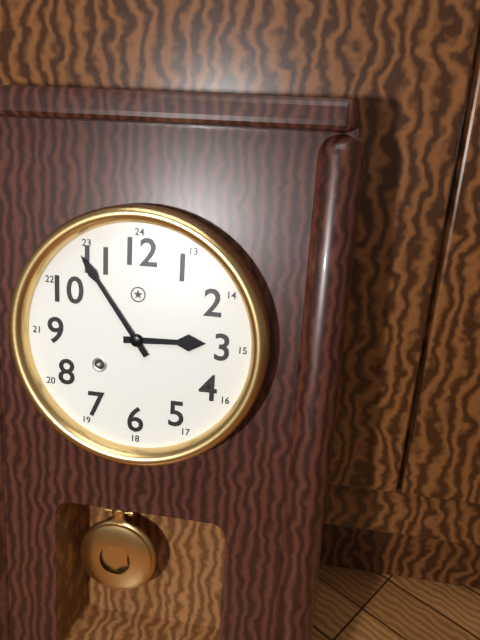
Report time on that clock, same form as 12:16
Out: 2:54
